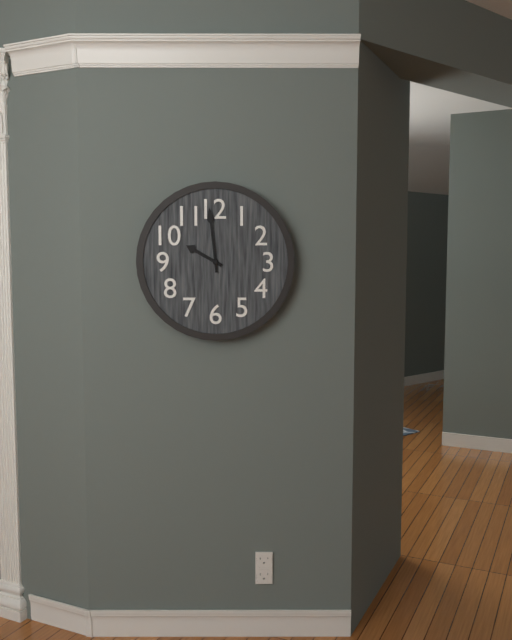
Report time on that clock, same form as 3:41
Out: 9:59
